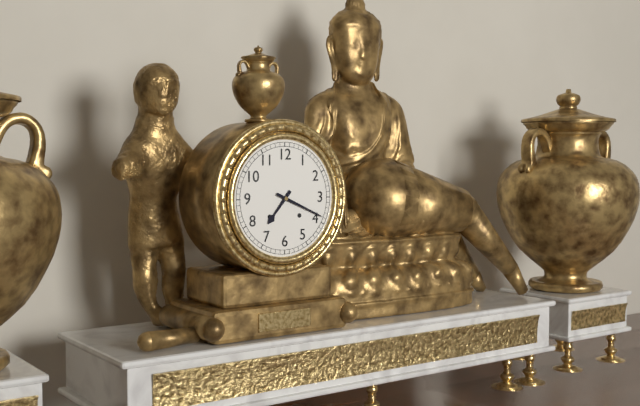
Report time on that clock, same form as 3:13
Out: 7:19
